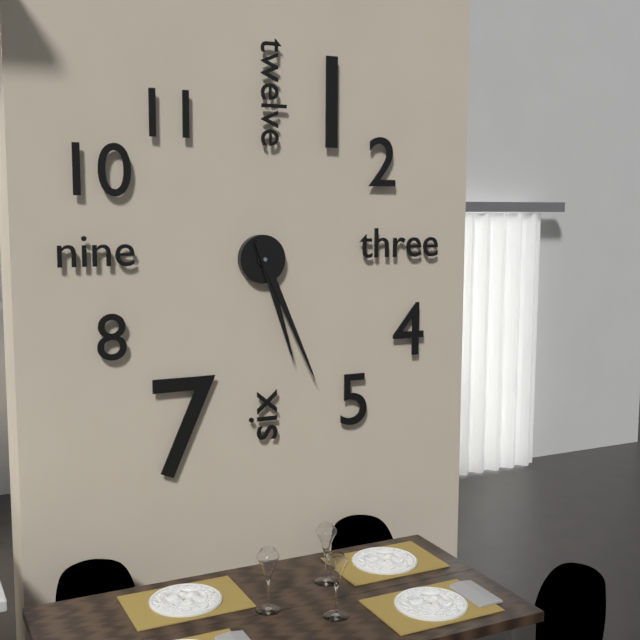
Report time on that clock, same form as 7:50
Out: 5:26
